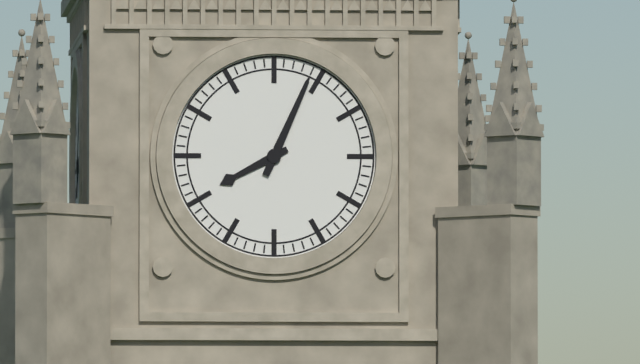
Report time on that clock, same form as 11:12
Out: 8:04
